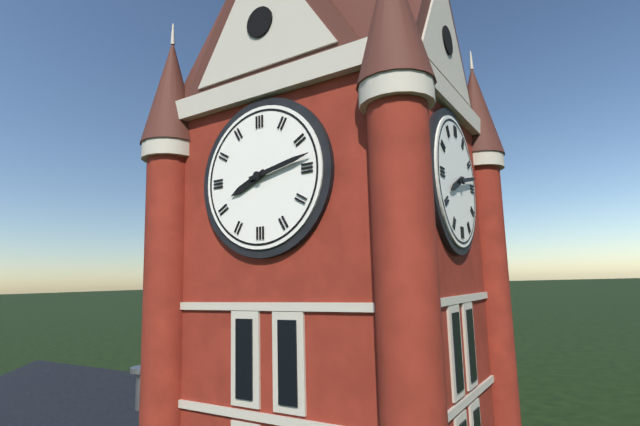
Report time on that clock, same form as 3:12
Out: 8:13
